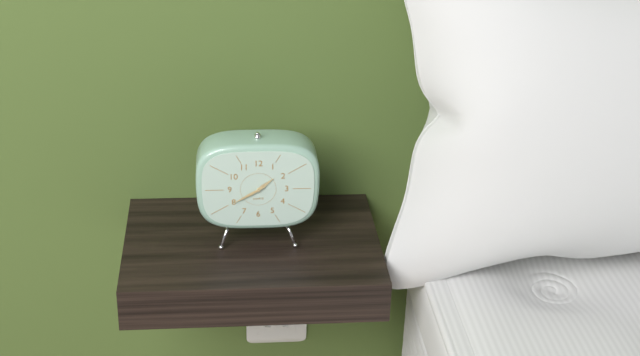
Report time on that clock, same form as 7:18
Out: 1:40
